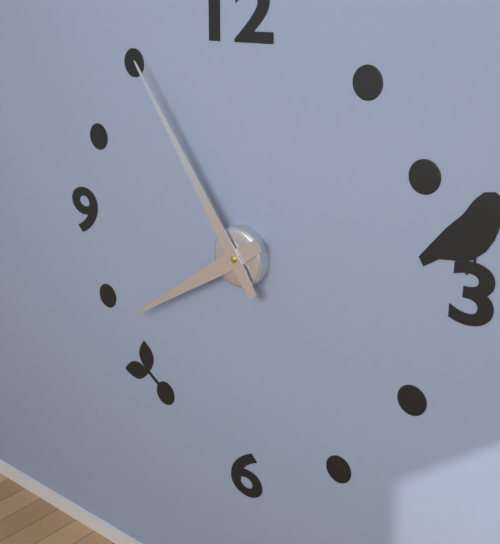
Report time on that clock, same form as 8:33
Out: 7:54
